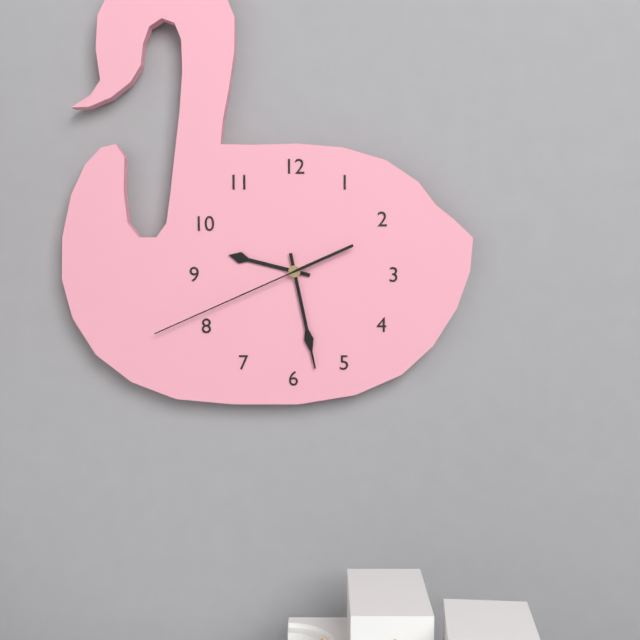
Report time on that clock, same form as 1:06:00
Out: 9:28:41
